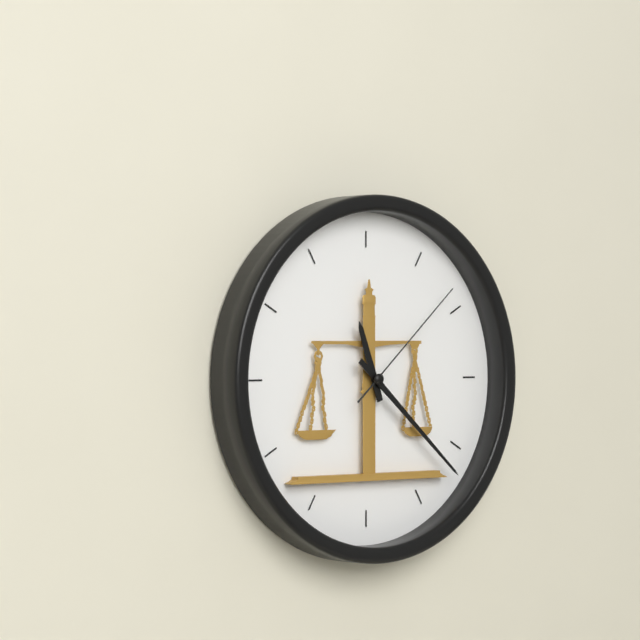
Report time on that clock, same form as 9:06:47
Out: 11:22:08
